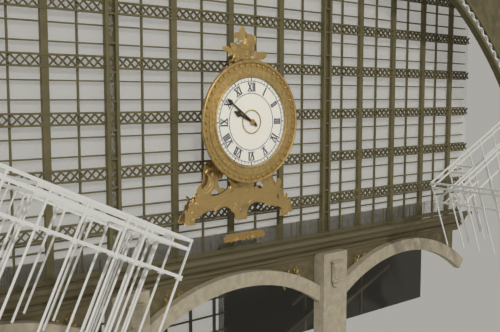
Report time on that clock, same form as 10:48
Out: 9:51
